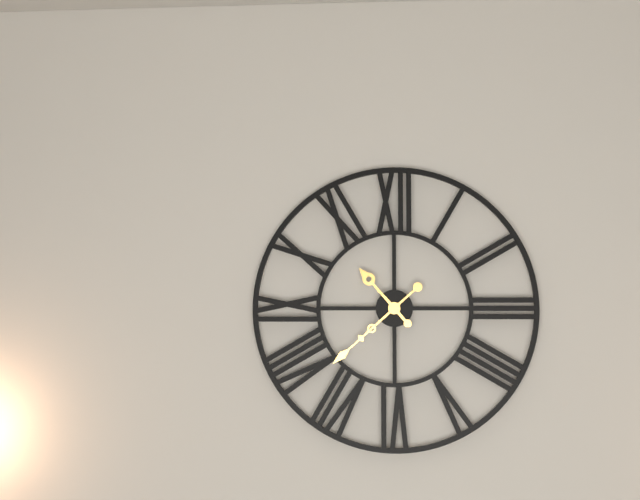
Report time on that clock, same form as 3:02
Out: 10:38
